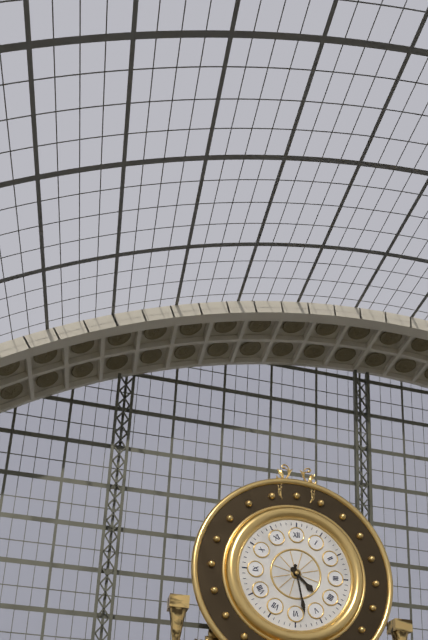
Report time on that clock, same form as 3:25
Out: 4:28
